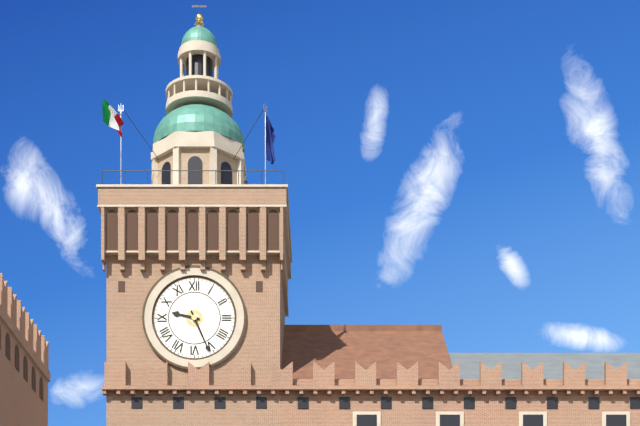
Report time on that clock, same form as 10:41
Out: 9:26
